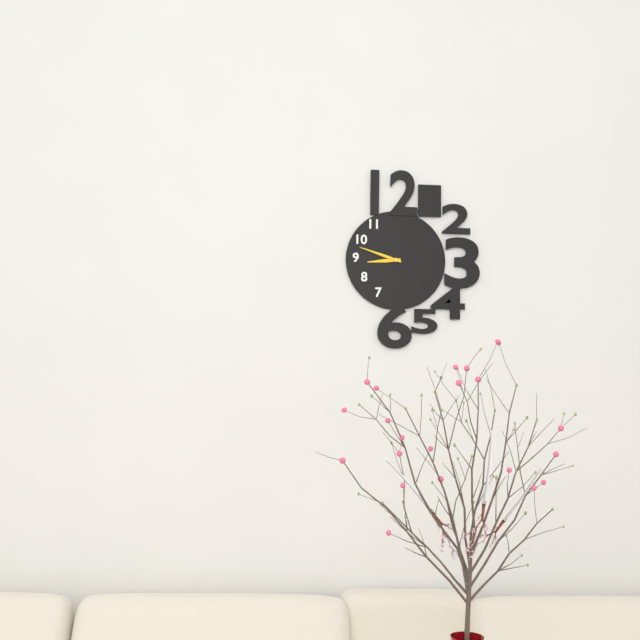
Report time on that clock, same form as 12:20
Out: 8:48
